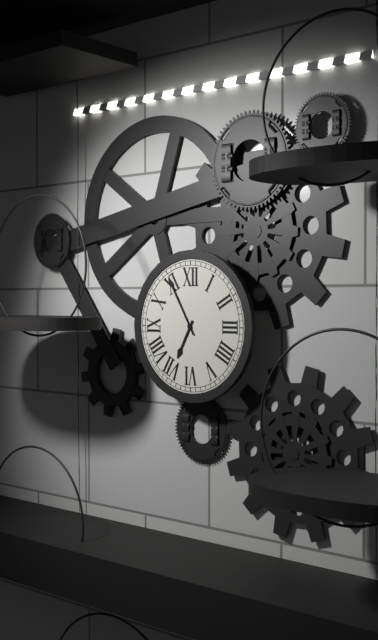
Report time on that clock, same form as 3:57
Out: 6:55
